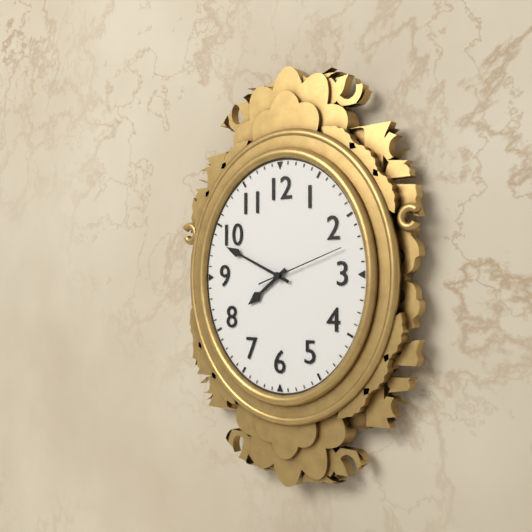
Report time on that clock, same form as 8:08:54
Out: 7:49:12
